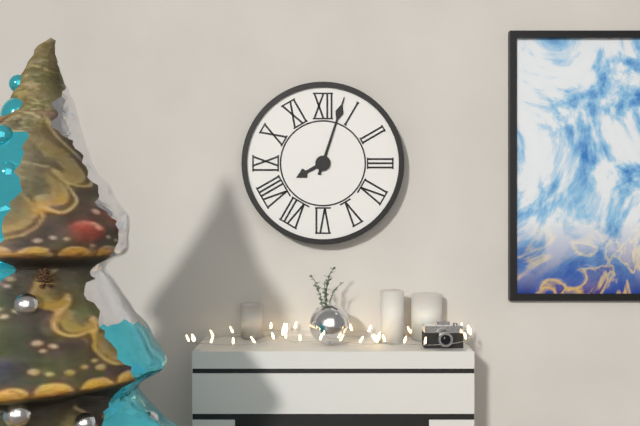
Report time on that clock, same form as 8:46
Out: 8:03
